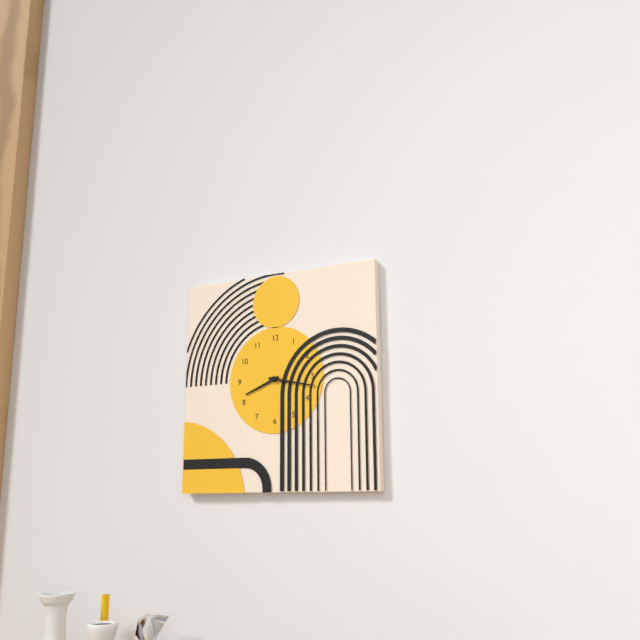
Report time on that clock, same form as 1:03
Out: 8:17
